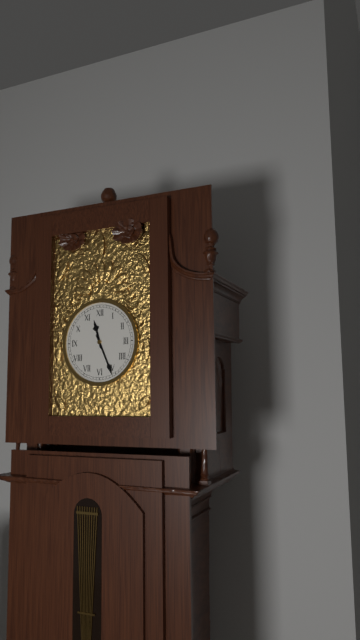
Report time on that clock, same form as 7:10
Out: 11:26
